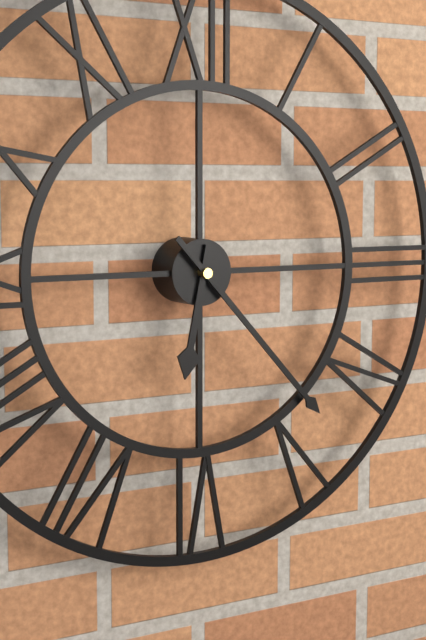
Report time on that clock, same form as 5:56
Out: 6:23
